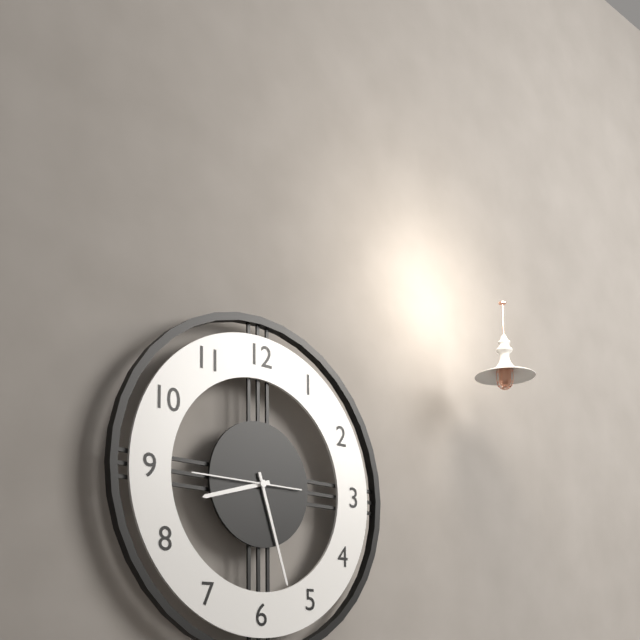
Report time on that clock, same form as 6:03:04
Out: 8:27:45
